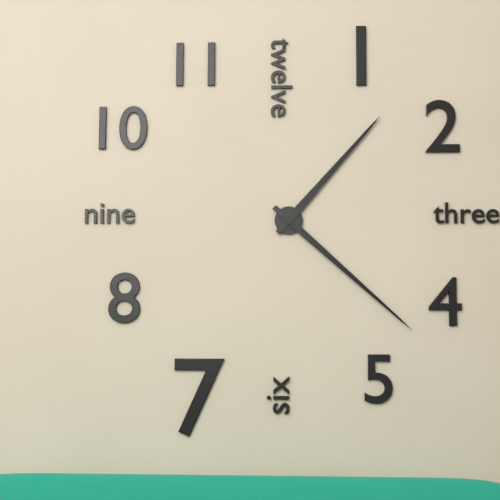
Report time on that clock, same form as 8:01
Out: 1:22
